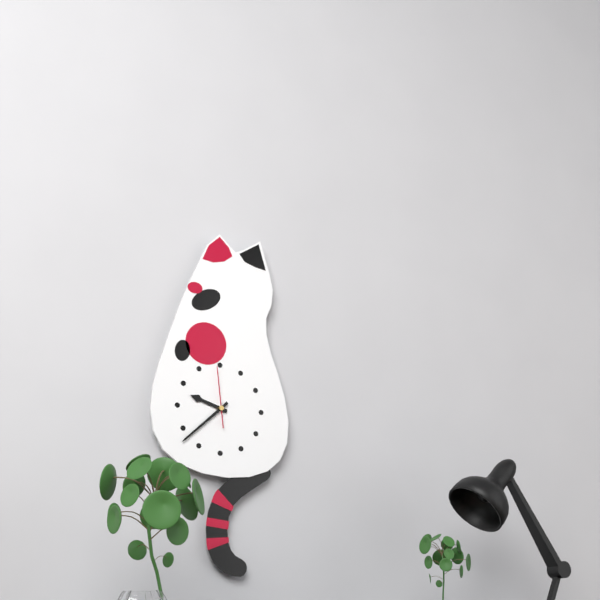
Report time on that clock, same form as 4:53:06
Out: 9:38:59
